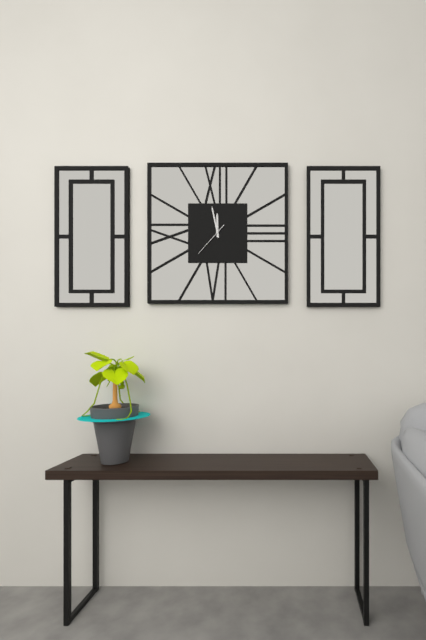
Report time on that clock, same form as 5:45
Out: 11:58
